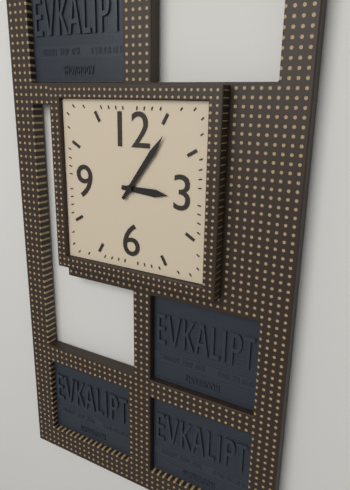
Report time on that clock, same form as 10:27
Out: 3:06
